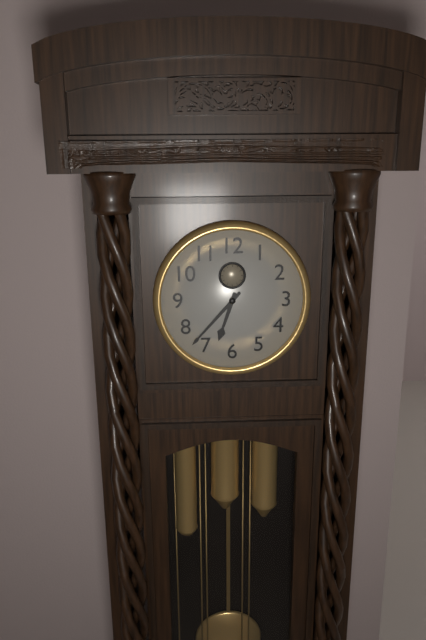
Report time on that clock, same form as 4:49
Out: 6:37
